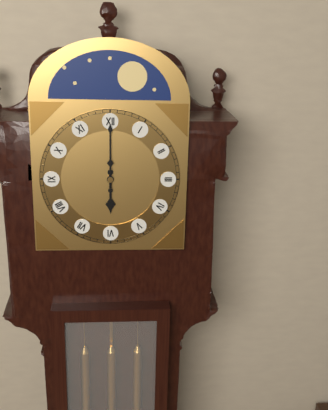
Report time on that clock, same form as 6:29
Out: 6:00
